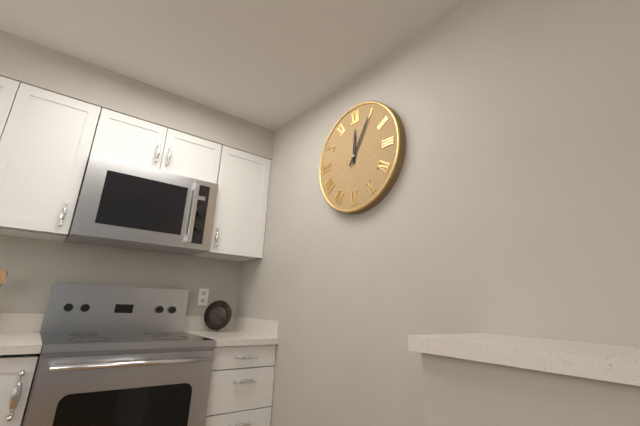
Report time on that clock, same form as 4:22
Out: 12:05
